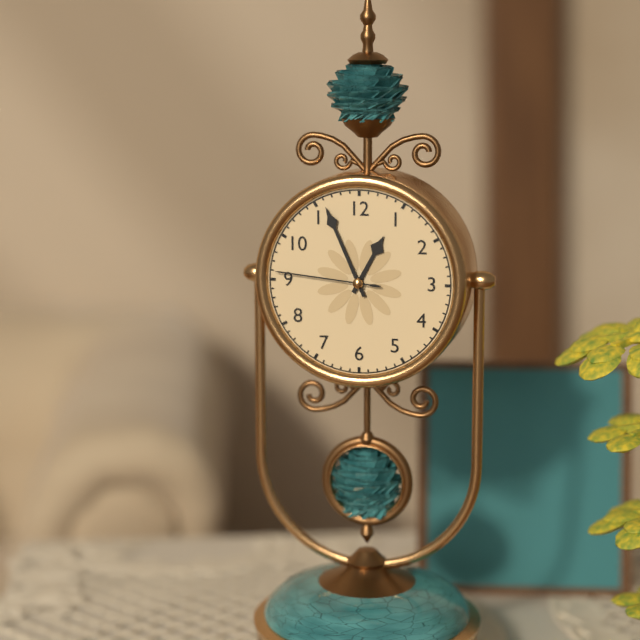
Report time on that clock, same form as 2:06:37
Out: 12:56:46
